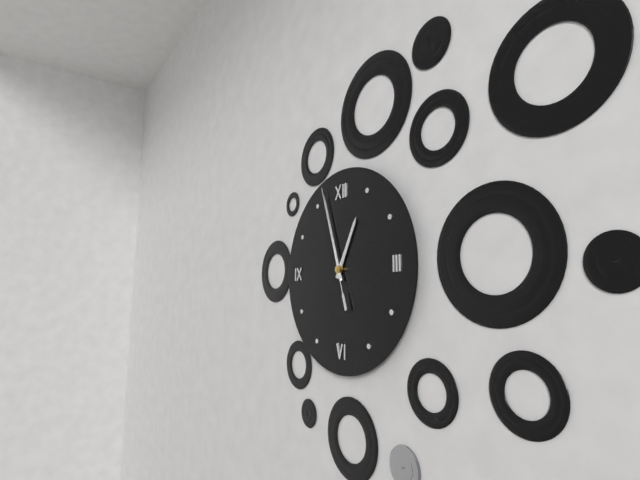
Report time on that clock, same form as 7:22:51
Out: 12:57:57
